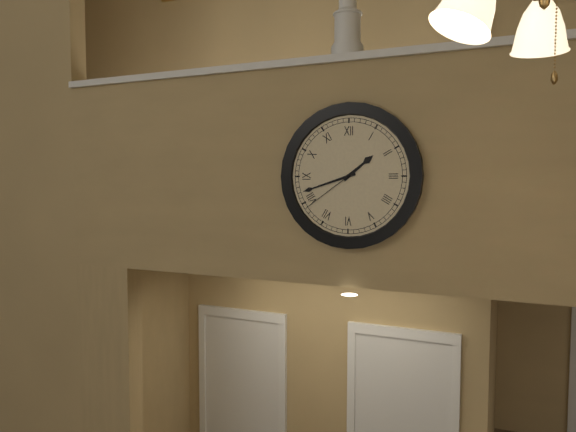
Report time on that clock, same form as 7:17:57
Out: 1:42:39
